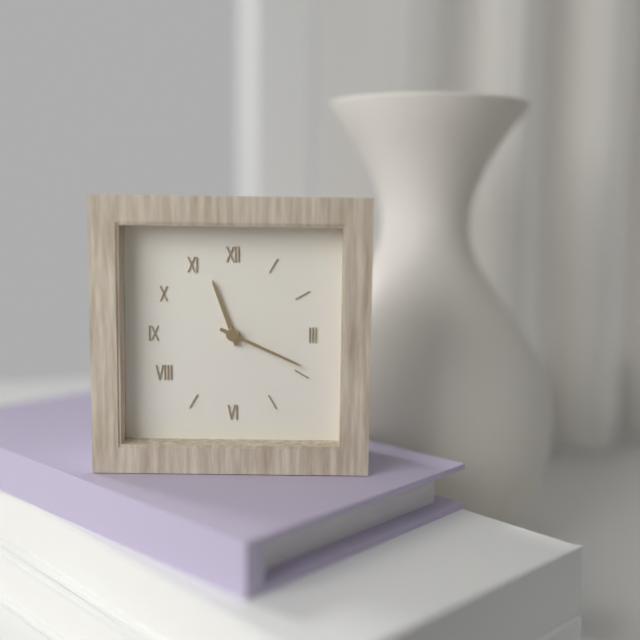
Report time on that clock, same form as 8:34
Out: 11:19
